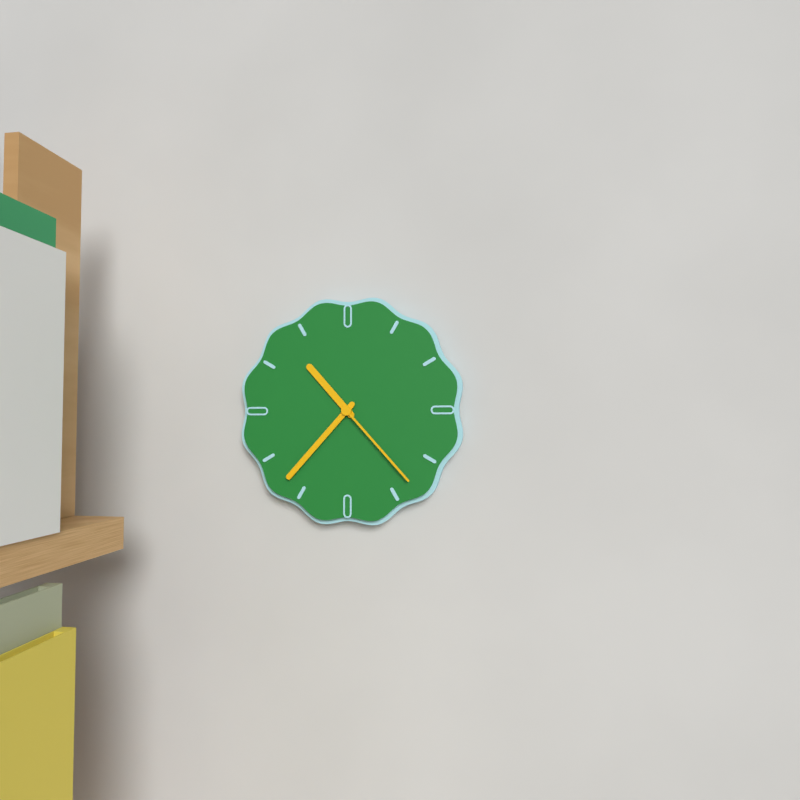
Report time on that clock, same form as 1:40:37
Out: 10:37:23
